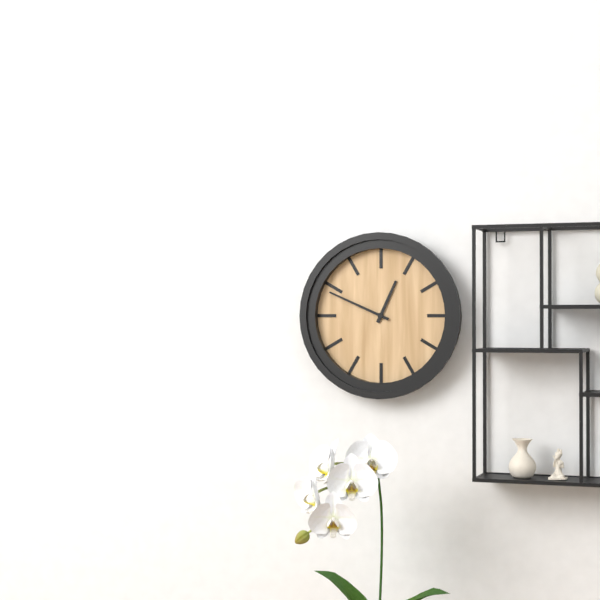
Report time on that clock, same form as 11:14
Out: 12:49
